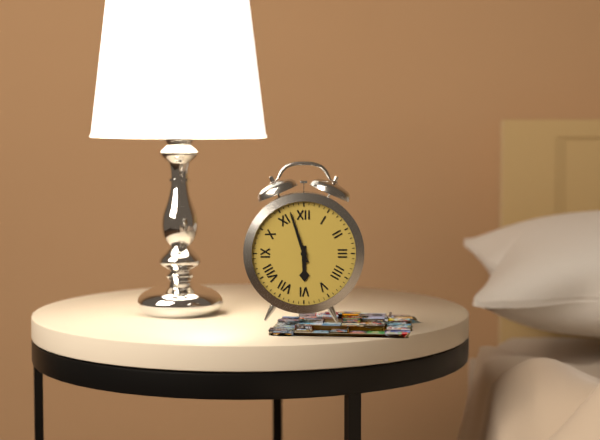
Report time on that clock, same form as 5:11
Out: 5:57
